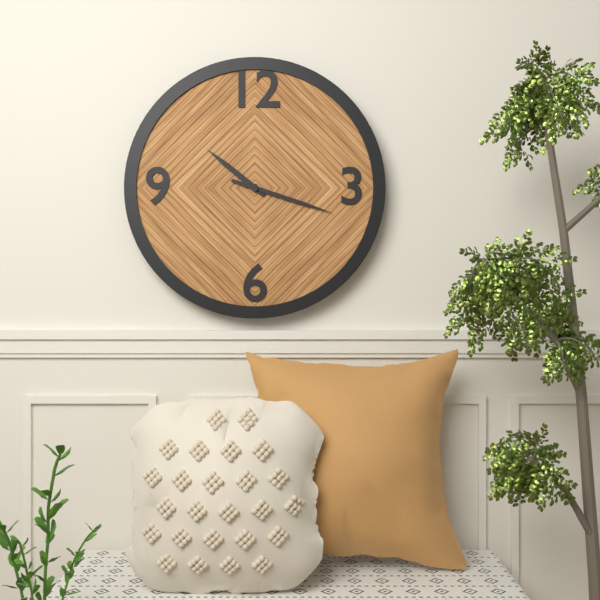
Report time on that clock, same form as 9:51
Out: 10:18
